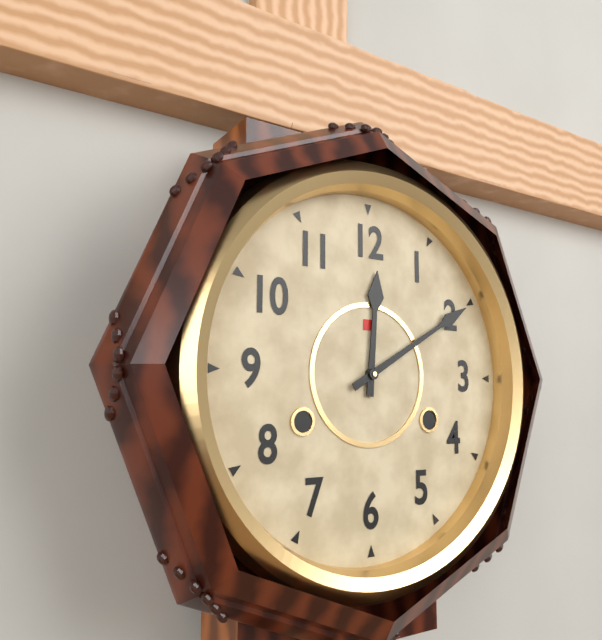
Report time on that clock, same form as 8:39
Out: 12:10
